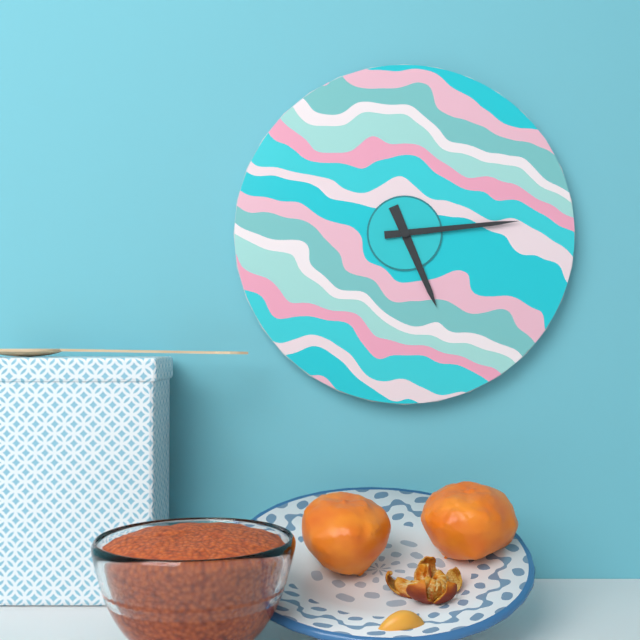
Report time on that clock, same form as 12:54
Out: 5:14
